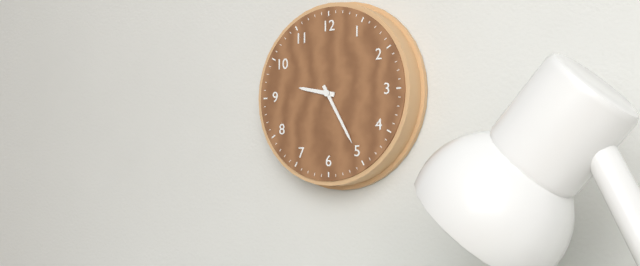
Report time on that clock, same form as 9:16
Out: 9:25
